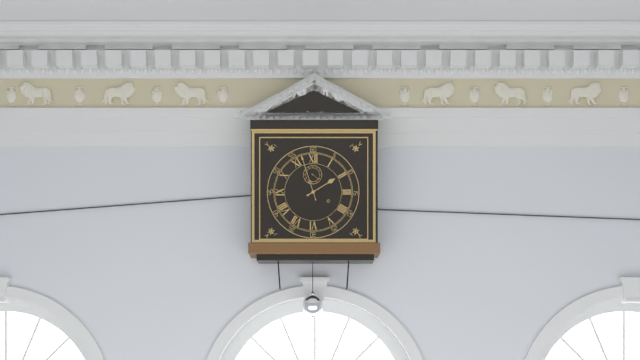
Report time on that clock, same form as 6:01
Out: 1:57
